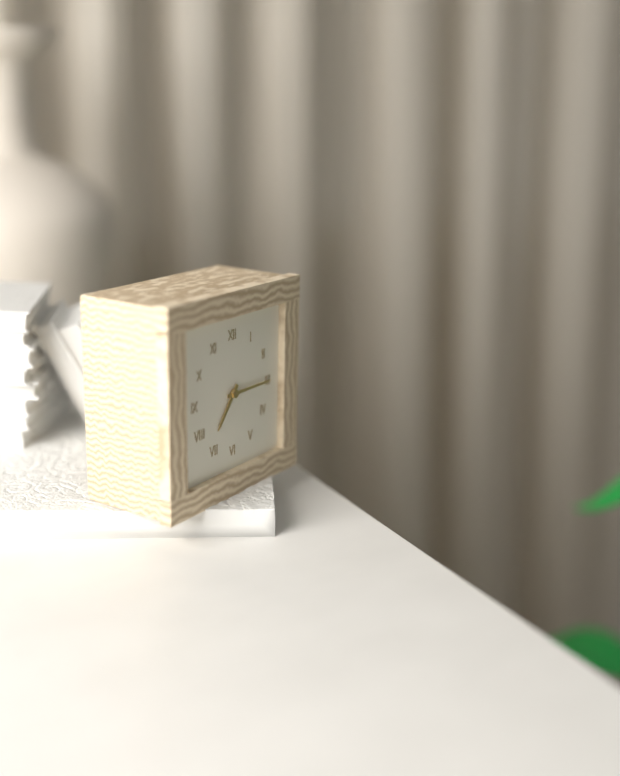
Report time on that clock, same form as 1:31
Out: 7:15
